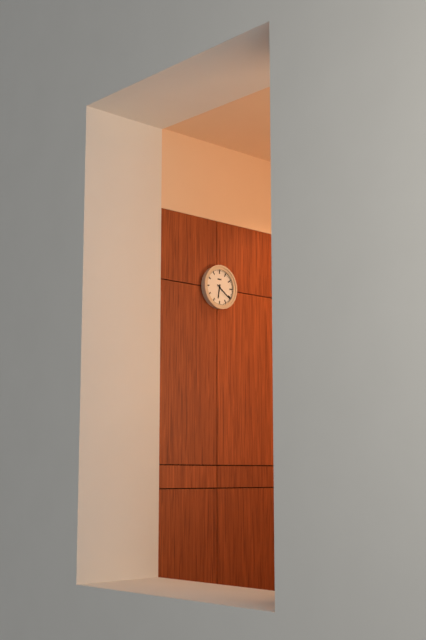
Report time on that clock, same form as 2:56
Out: 6:21
